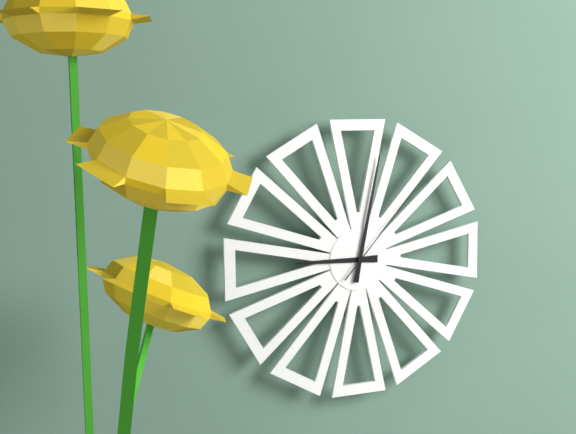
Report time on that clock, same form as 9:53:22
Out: 9:02:07
